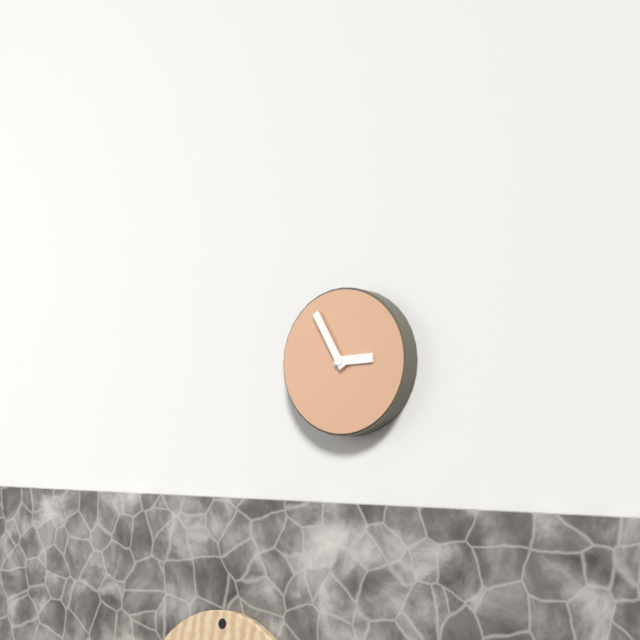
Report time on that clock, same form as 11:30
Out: 2:55
